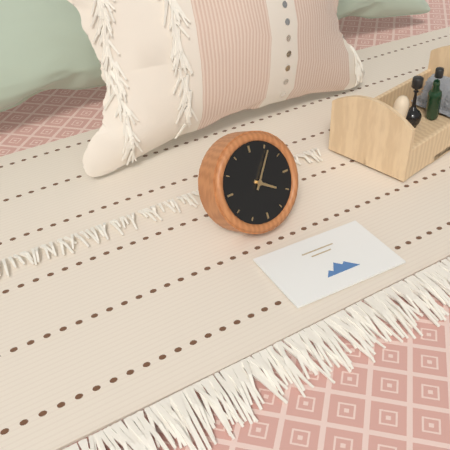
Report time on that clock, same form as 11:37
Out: 4:06
